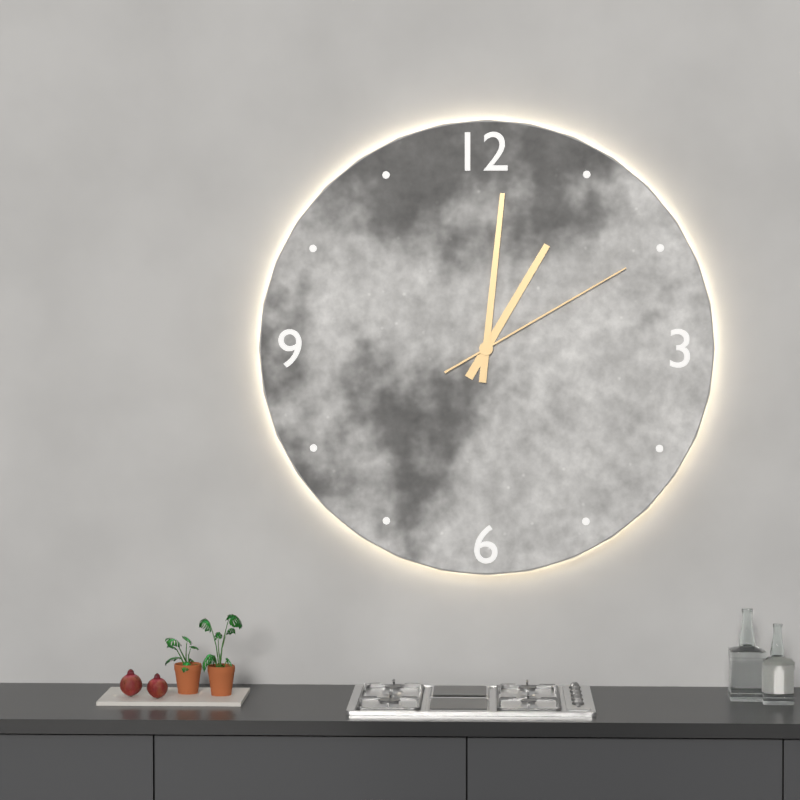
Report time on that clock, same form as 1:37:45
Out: 1:01:10
